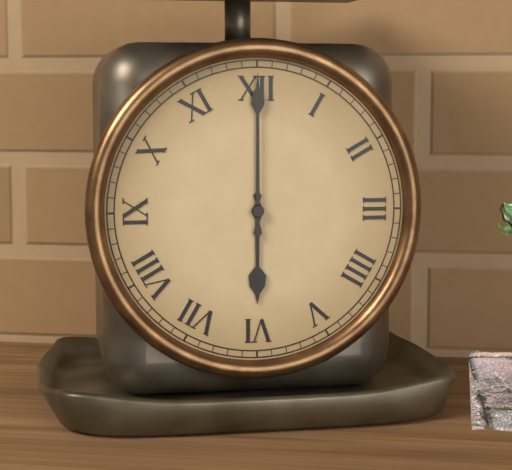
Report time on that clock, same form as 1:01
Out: 6:00
